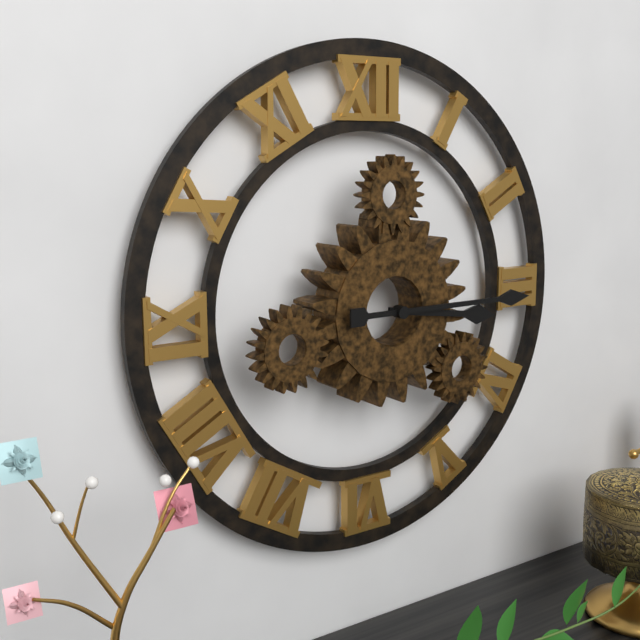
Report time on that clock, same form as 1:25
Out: 3:15
